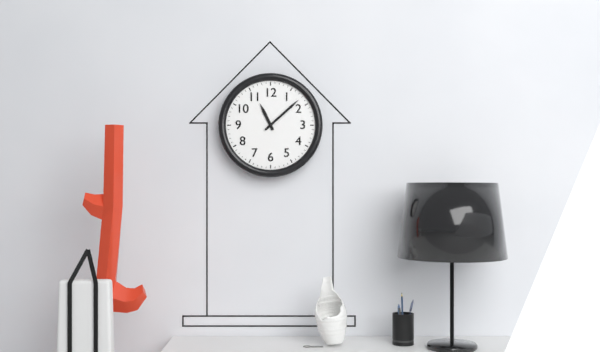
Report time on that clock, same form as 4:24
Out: 11:08
